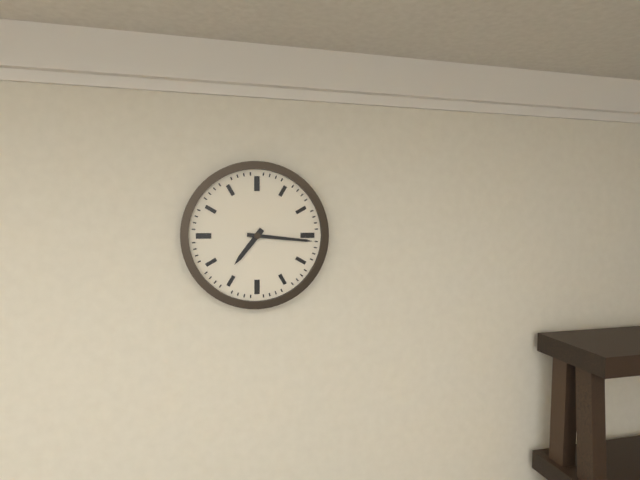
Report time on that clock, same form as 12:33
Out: 7:16
